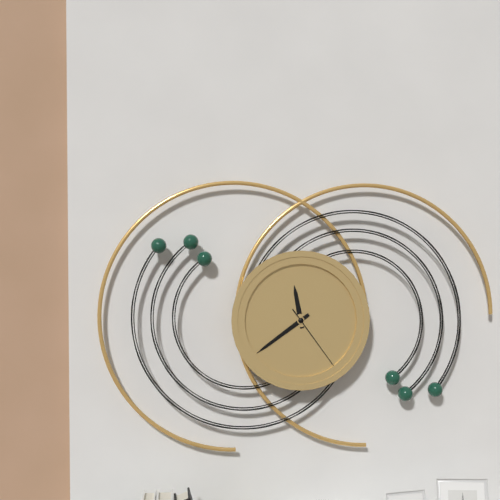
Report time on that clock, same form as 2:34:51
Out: 11:39:24
